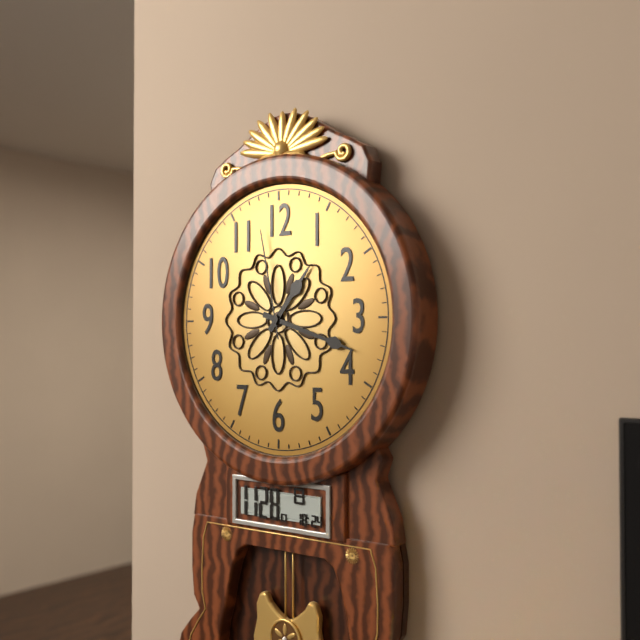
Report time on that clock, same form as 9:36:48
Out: 1:18:58
